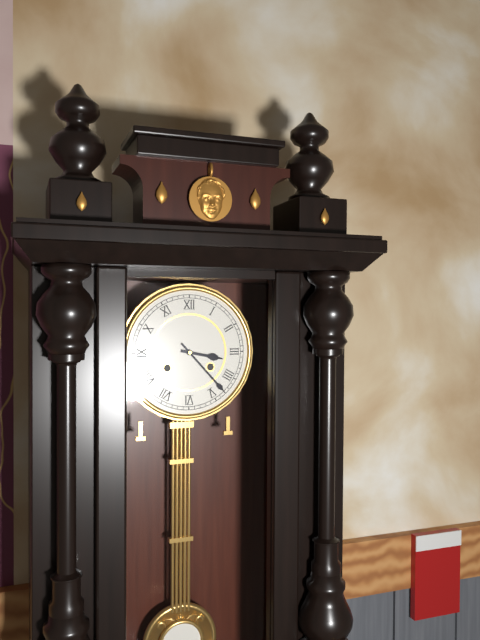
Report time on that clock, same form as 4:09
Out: 3:23
